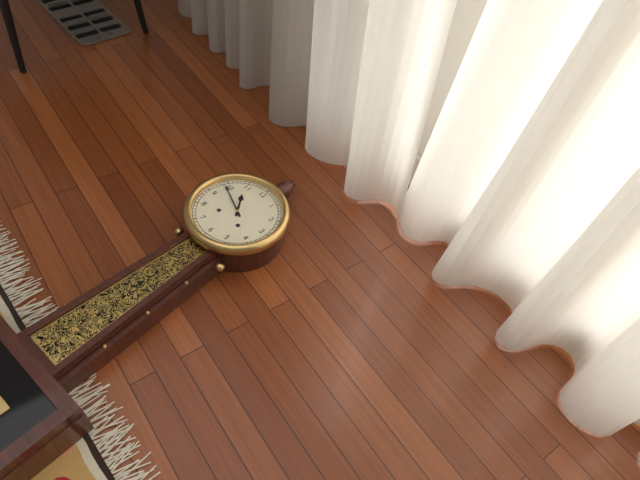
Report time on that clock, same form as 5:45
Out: 10:49
